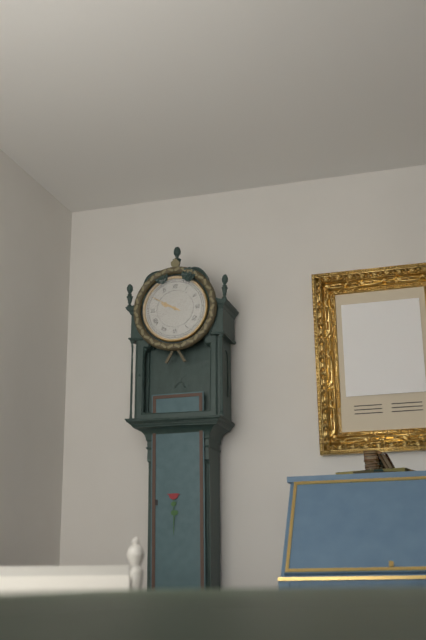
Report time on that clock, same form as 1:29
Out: 9:50
